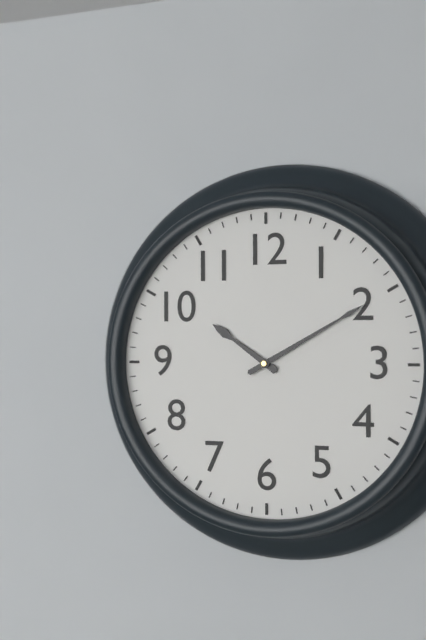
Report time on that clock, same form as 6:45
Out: 10:10
